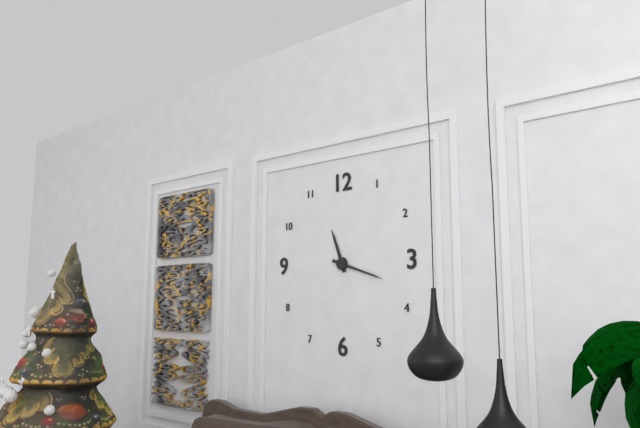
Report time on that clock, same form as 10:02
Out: 11:18
